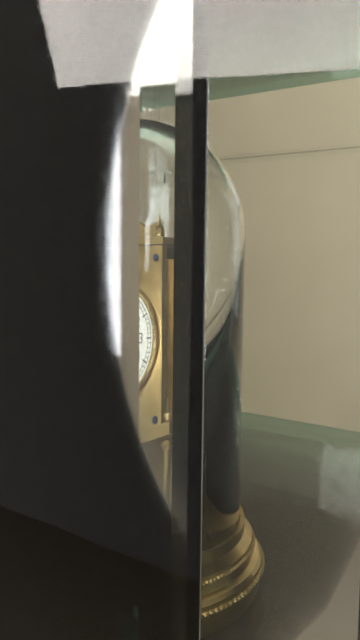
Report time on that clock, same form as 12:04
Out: 2:31
